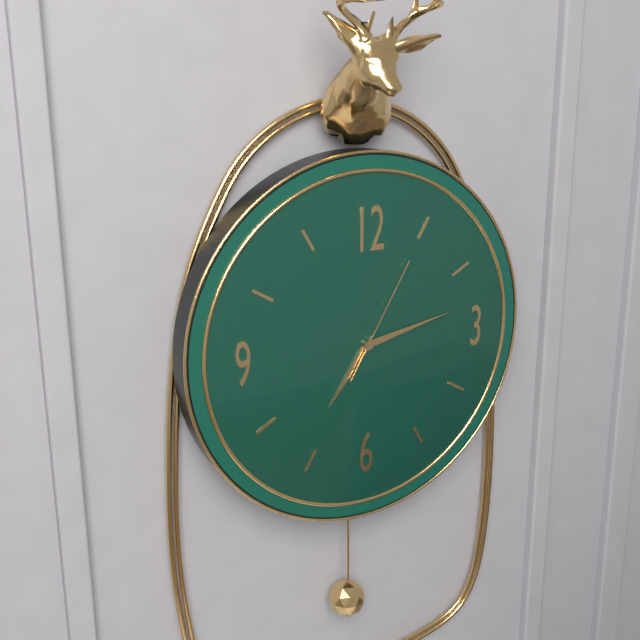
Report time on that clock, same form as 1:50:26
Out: 7:13:05
